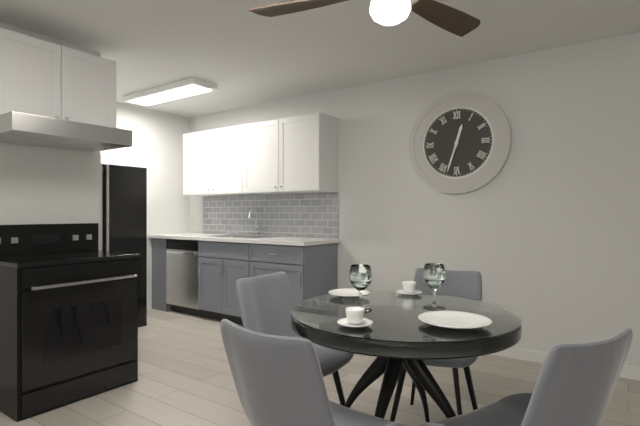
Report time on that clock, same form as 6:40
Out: 12:33
